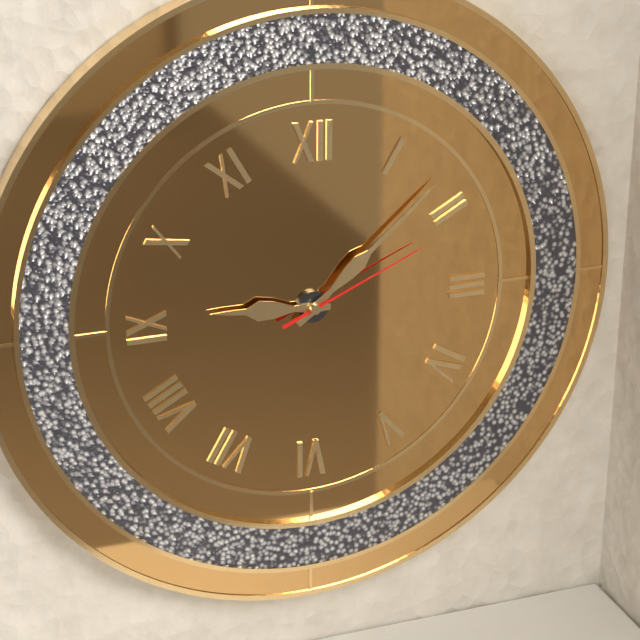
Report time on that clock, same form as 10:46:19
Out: 9:08:11
